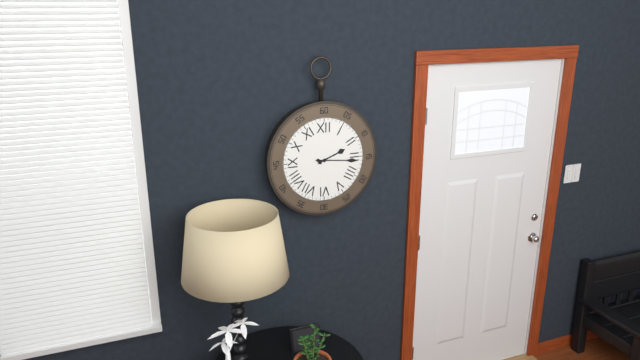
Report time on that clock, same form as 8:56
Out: 2:16
